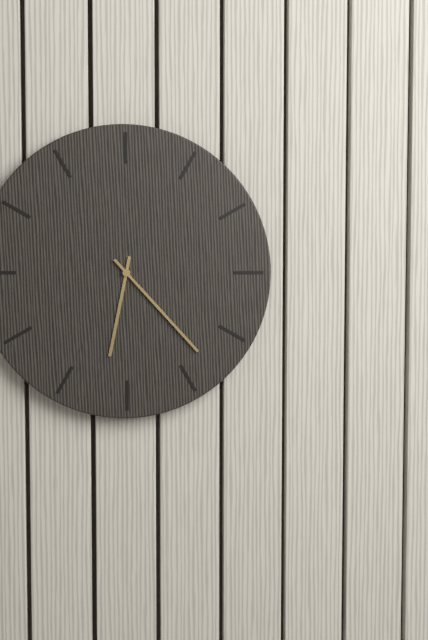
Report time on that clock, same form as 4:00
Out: 6:23
